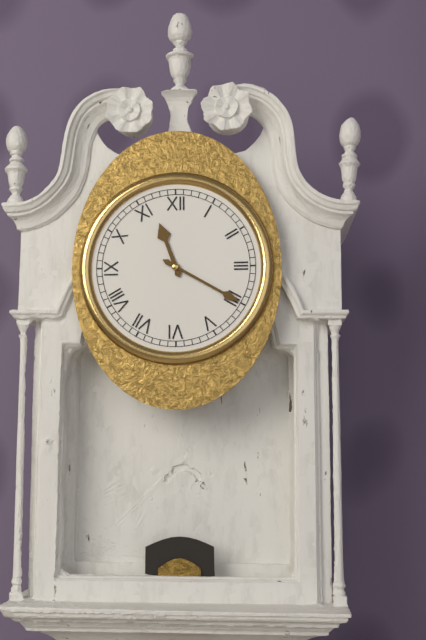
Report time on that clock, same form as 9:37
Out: 11:20
